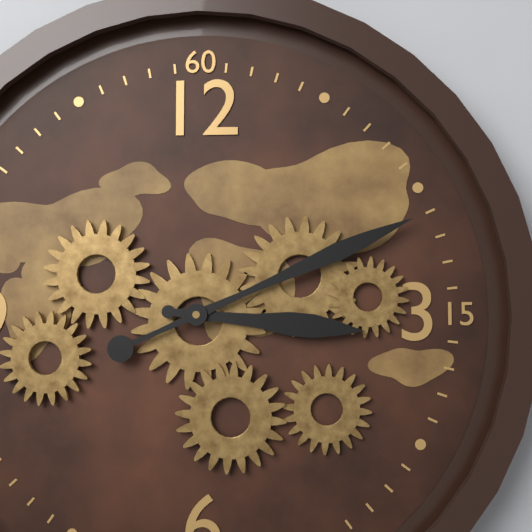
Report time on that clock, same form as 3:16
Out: 3:11
